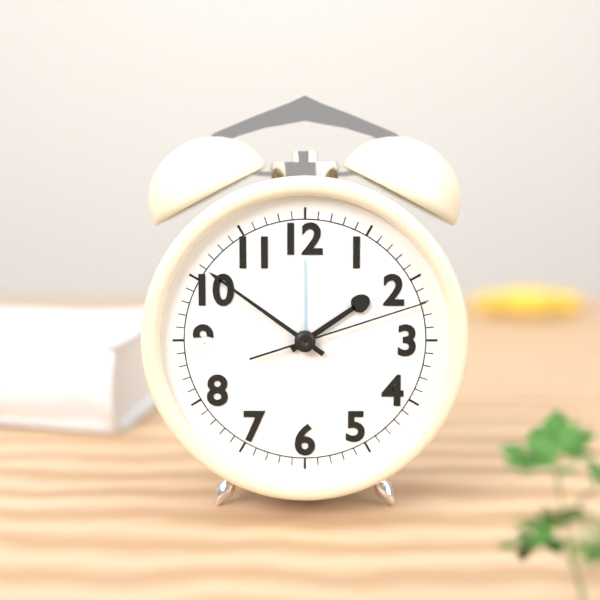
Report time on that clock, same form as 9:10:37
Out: 1:51:12
